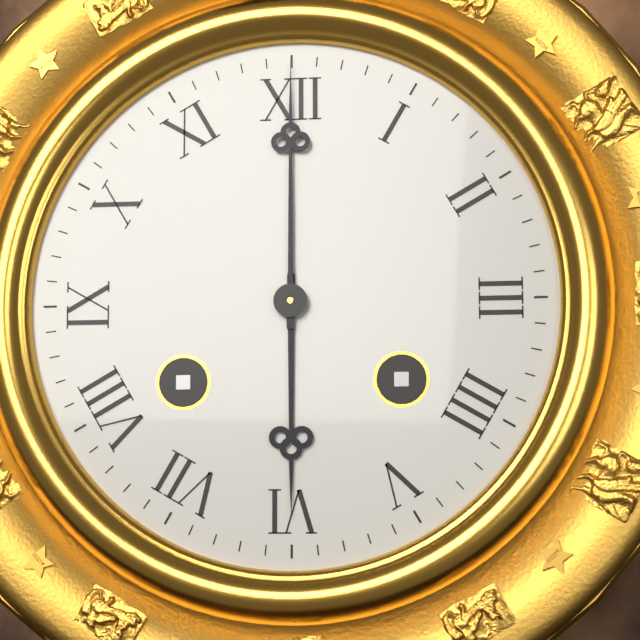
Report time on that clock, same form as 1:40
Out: 6:00
